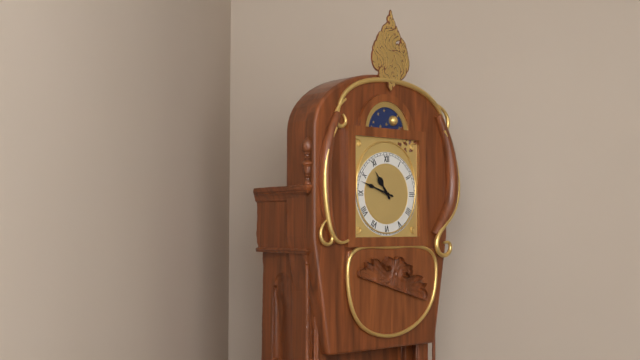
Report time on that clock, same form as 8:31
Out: 10:48
